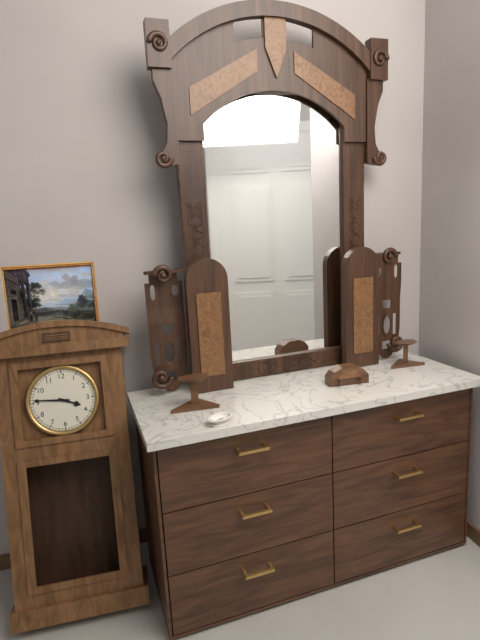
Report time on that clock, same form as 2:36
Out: 3:46
